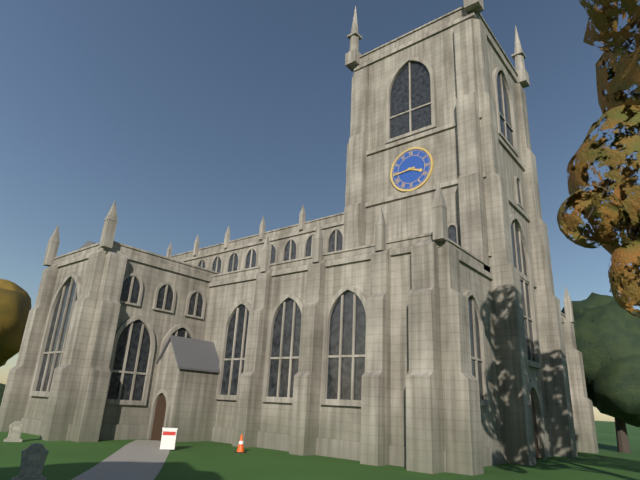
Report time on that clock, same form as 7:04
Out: 3:44
